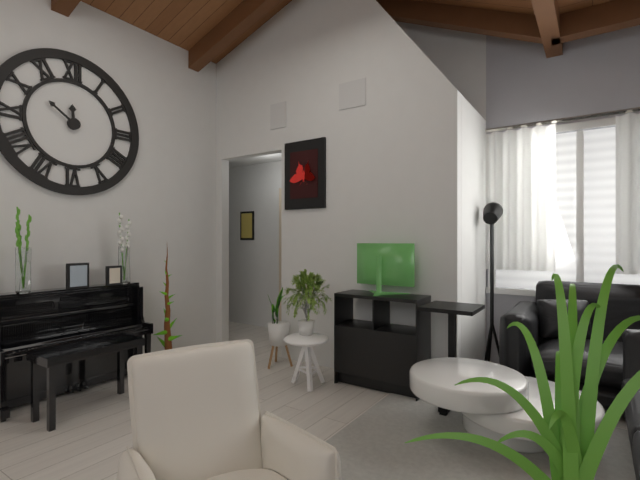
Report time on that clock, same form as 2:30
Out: 11:51
